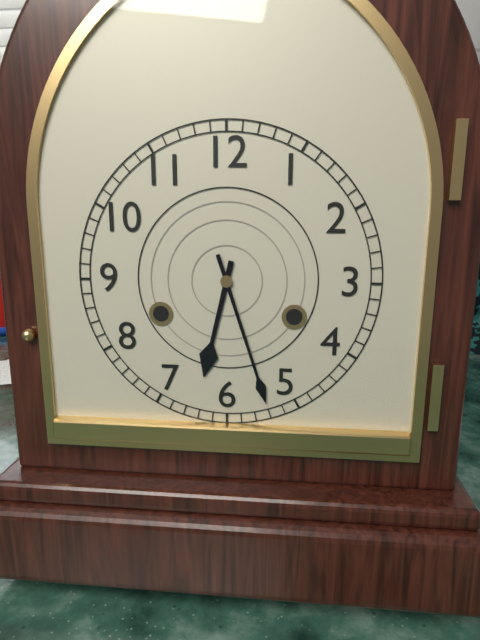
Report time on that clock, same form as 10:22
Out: 6:27
